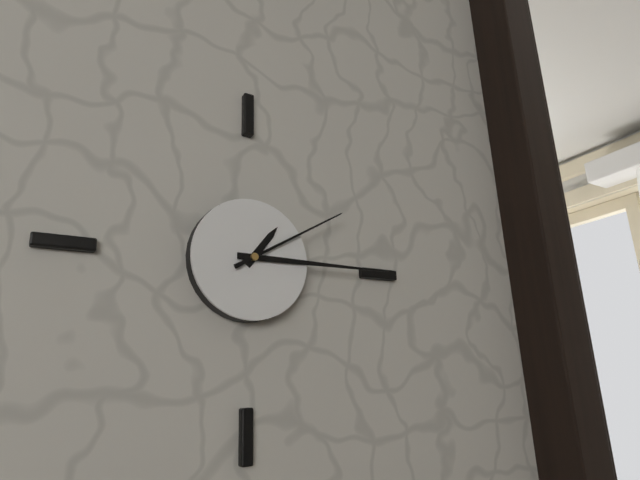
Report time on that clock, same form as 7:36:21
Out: 1:15:10
